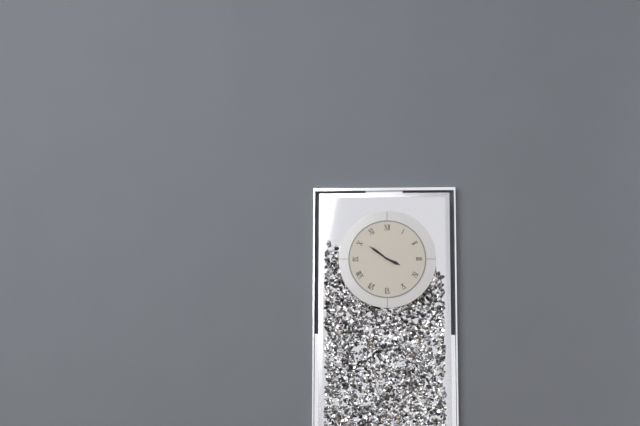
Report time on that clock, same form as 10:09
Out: 3:51
